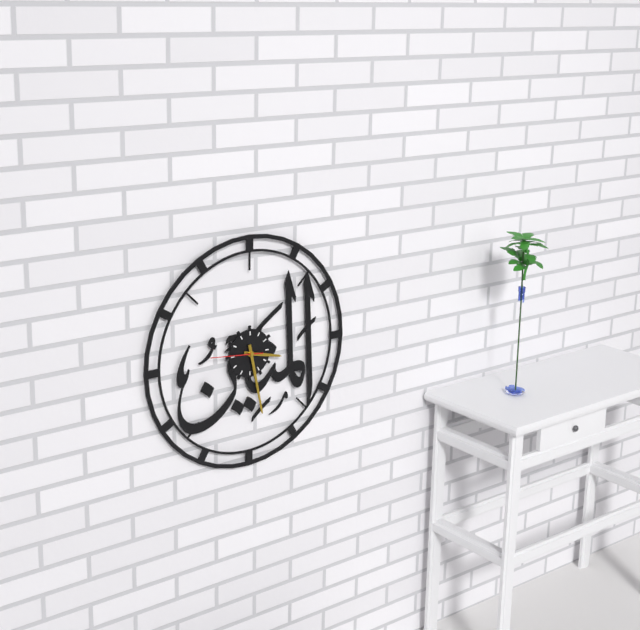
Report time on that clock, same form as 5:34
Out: 3:28
